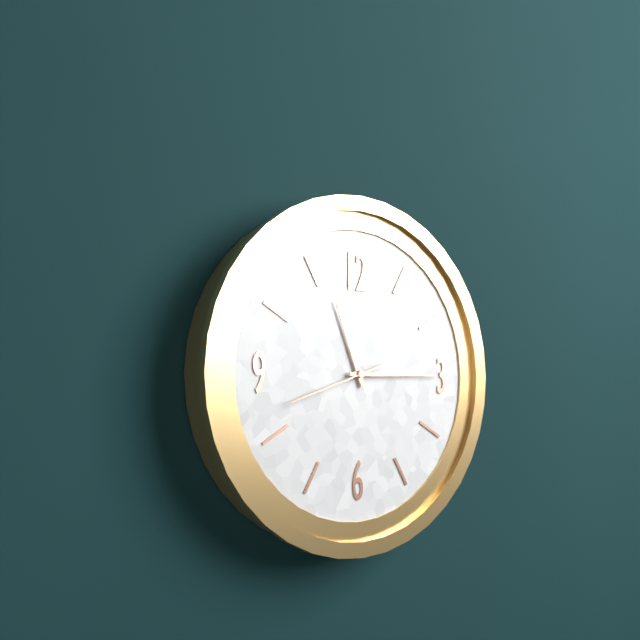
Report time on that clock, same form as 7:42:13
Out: 11:15:42
